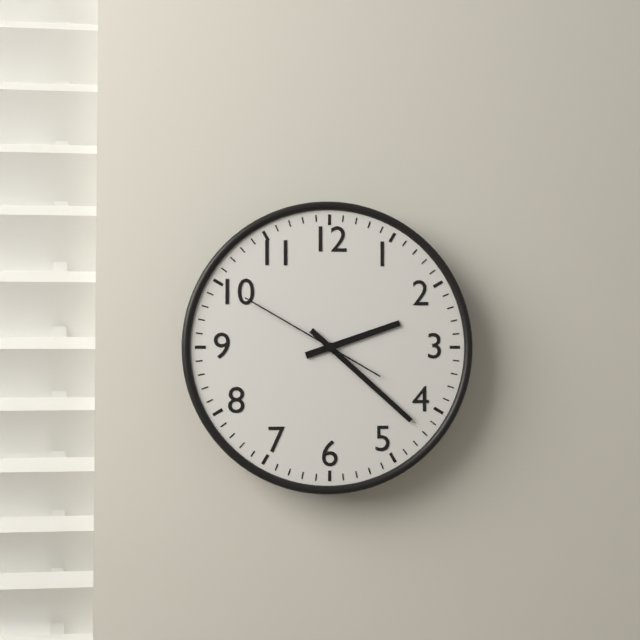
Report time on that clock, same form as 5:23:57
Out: 2:22:50
